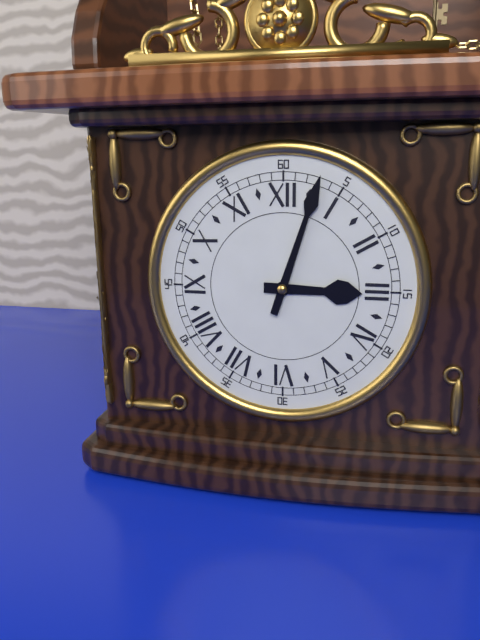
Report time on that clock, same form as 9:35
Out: 3:03
